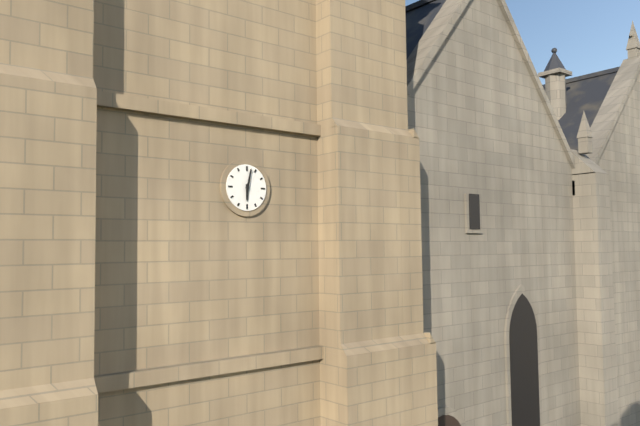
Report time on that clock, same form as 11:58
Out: 6:02
